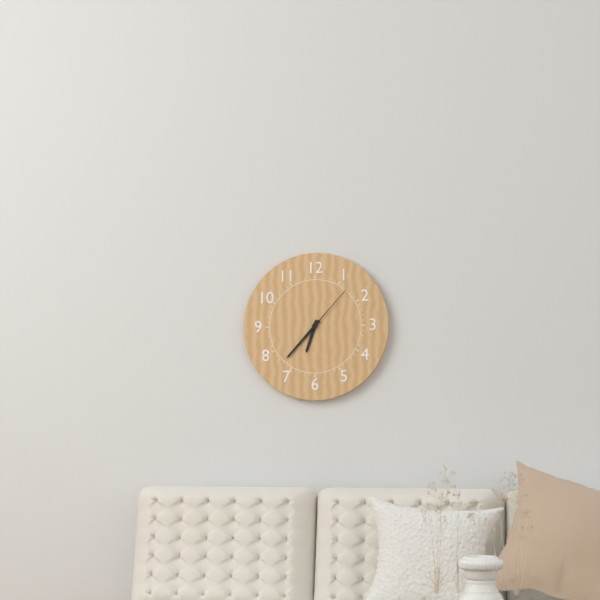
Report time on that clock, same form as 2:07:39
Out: 6:37:07
